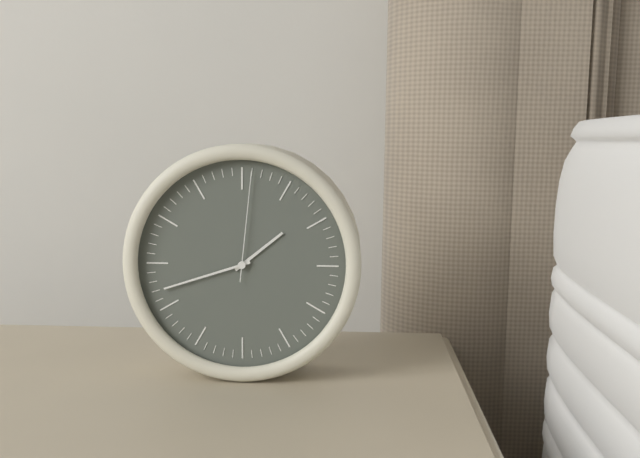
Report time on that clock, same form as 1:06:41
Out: 1:42:01
